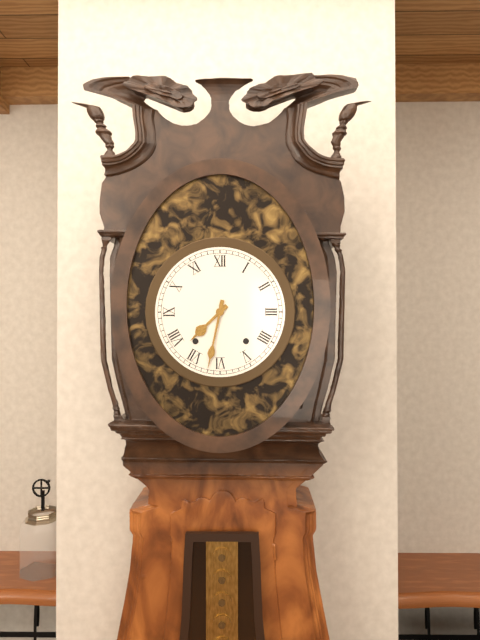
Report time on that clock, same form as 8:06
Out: 7:32
